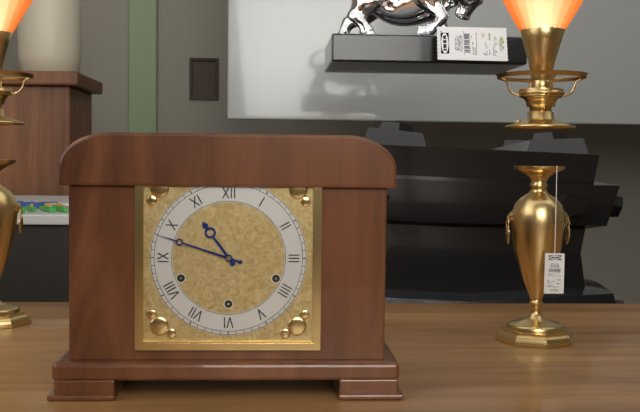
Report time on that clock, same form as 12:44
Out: 10:48
